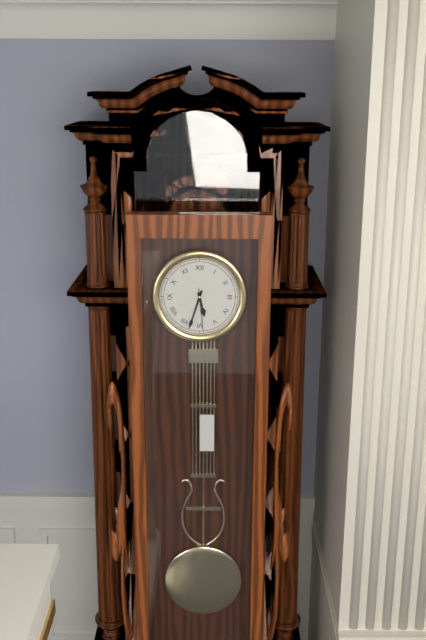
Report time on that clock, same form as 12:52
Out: 5:33
